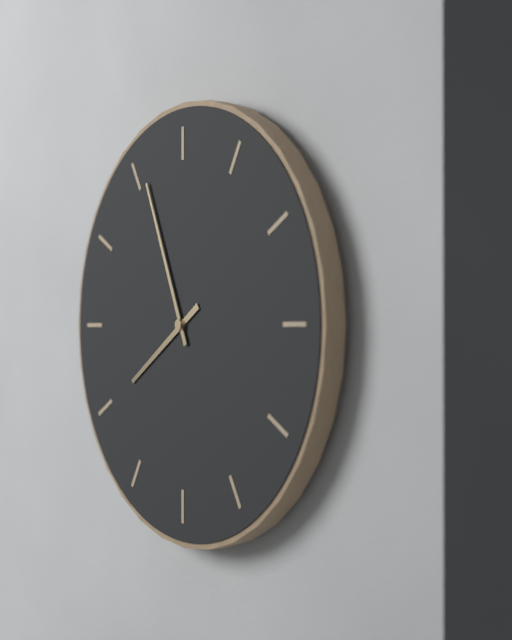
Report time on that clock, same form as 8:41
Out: 7:56
